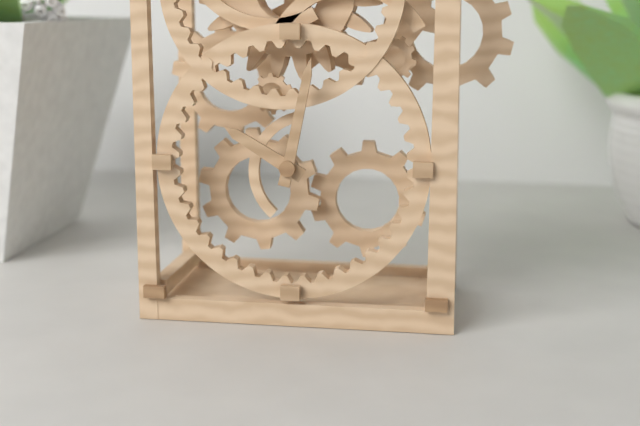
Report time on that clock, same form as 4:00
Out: 10:02
